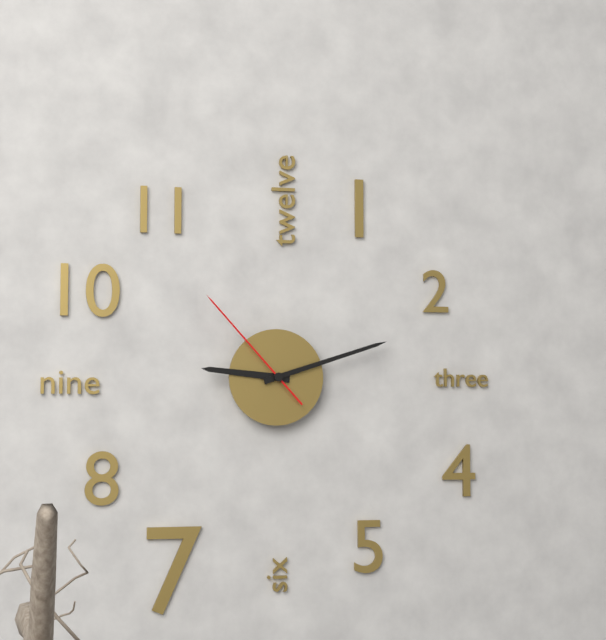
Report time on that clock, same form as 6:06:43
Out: 9:12:53
